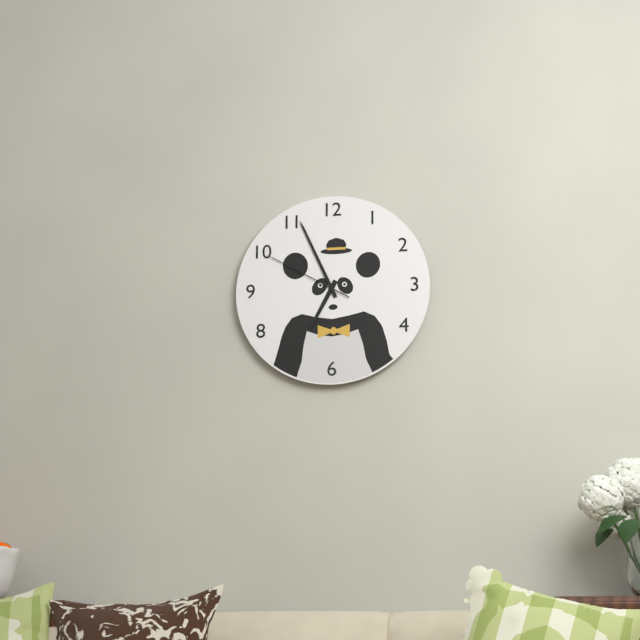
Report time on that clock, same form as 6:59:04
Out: 6:56:50
